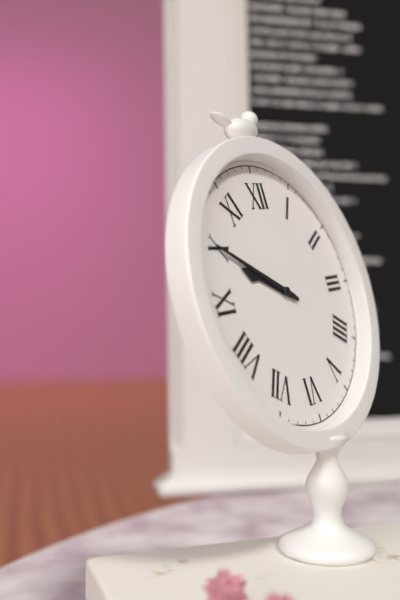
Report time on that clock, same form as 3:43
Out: 9:50
